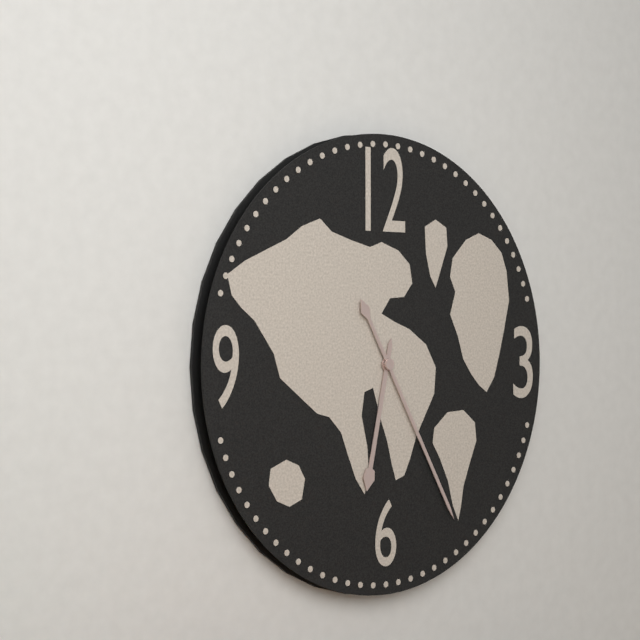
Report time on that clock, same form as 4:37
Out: 6:25
